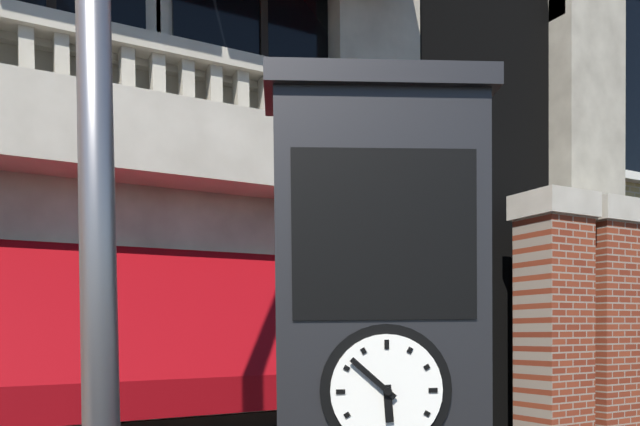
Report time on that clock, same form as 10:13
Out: 5:52
